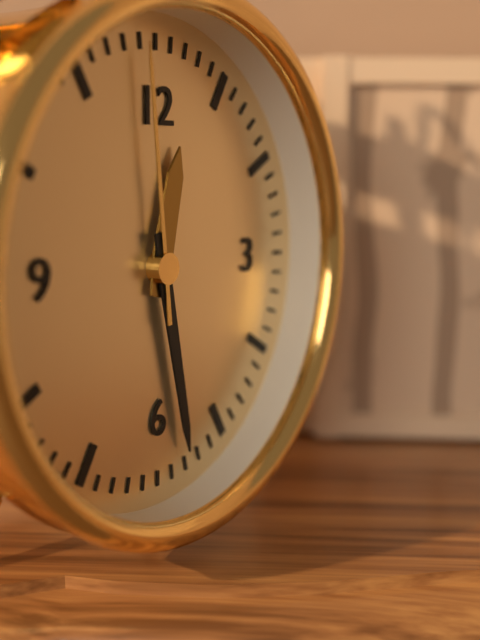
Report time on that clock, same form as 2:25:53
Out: 12:28:59
